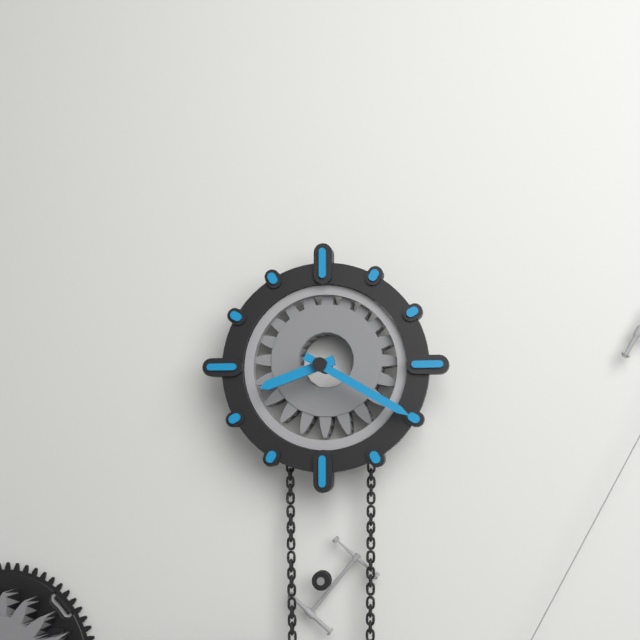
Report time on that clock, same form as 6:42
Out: 8:20
